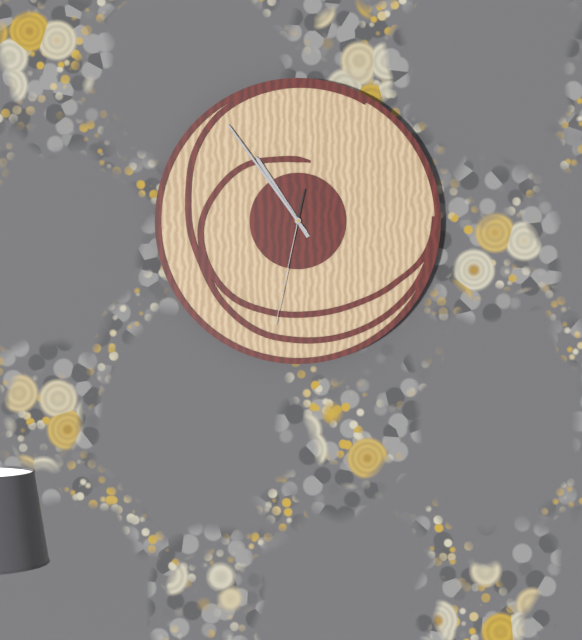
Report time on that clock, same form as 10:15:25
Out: 10:54:32
